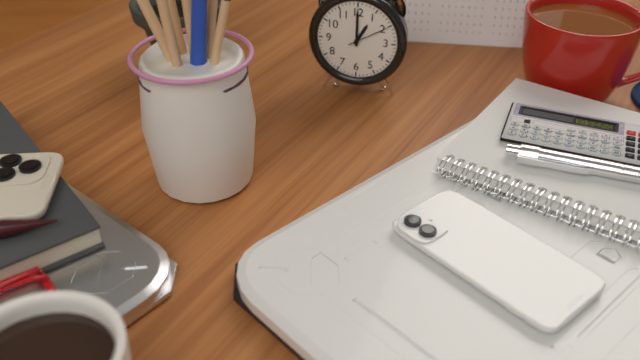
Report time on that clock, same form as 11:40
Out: 1:00
